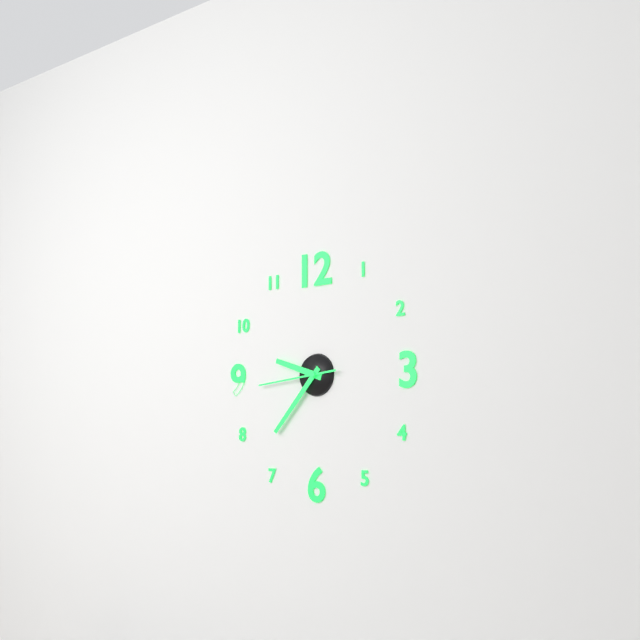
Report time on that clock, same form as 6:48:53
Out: 9:37:44
